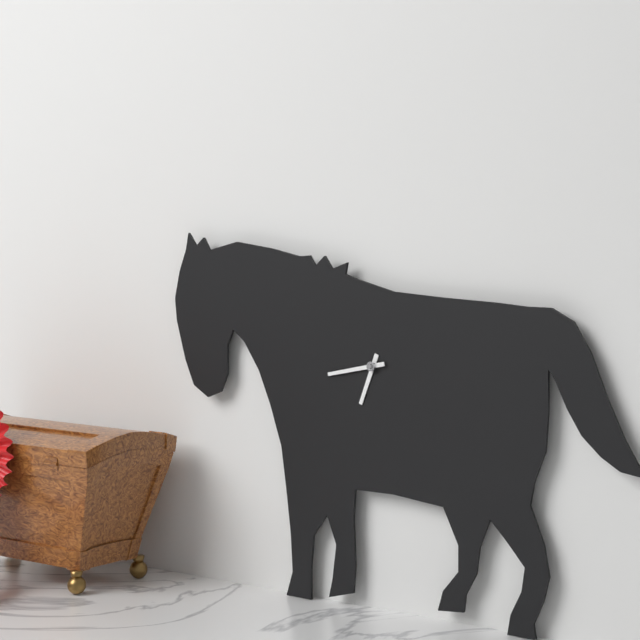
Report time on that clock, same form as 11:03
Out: 6:43
